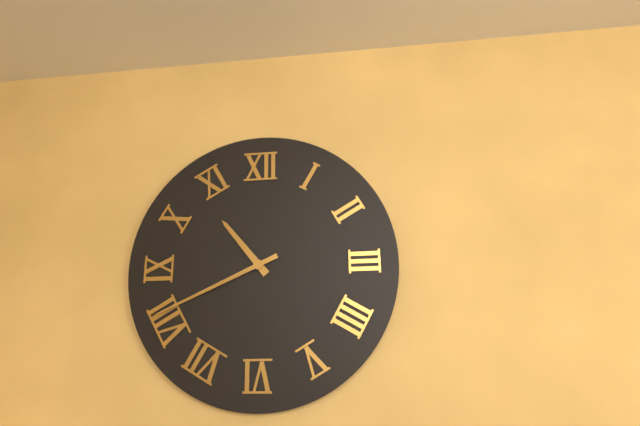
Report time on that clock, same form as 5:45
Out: 10:41
